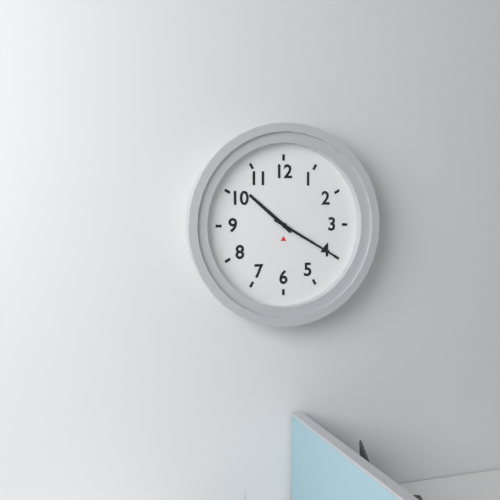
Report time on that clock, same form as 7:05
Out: 10:20
